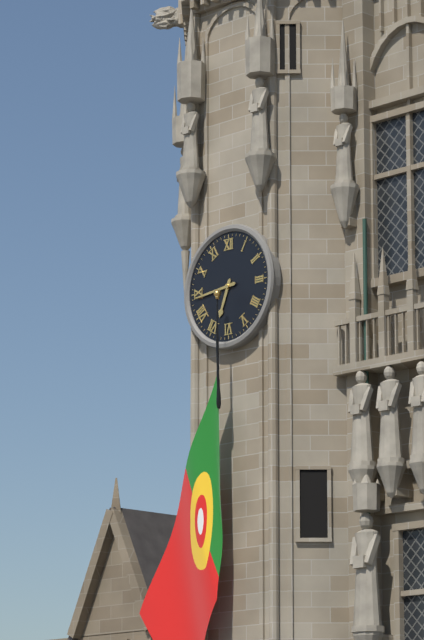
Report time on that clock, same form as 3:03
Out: 6:44
